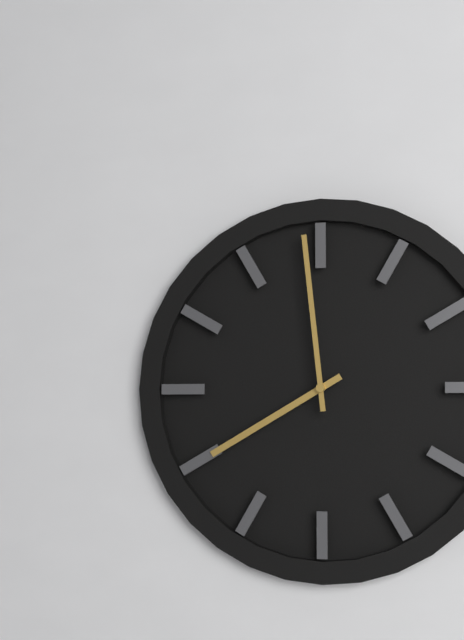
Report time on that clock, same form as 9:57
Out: 7:59
